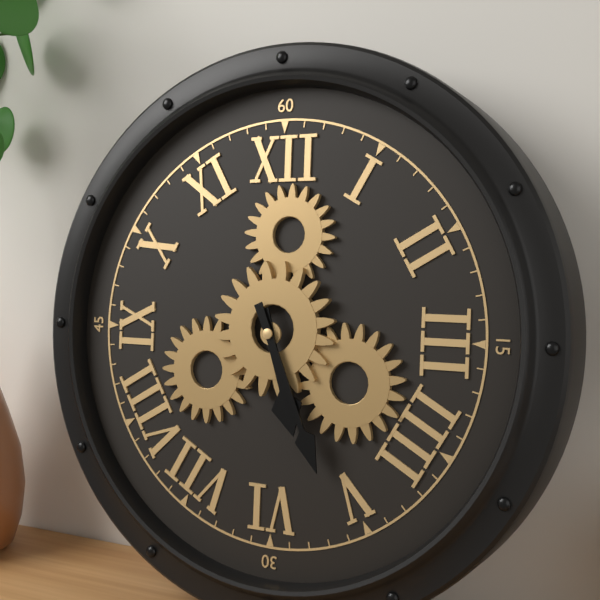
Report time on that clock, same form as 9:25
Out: 5:26
